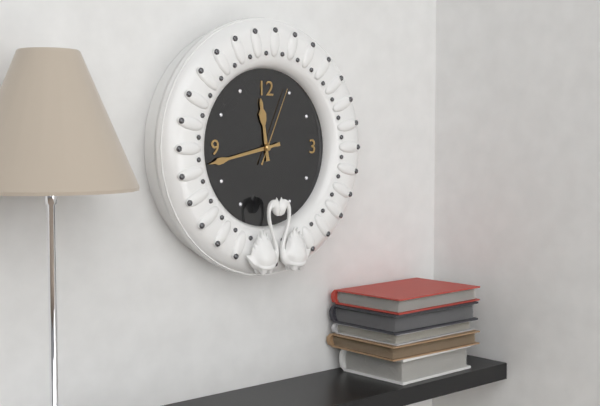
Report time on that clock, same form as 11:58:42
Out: 11:43:04
